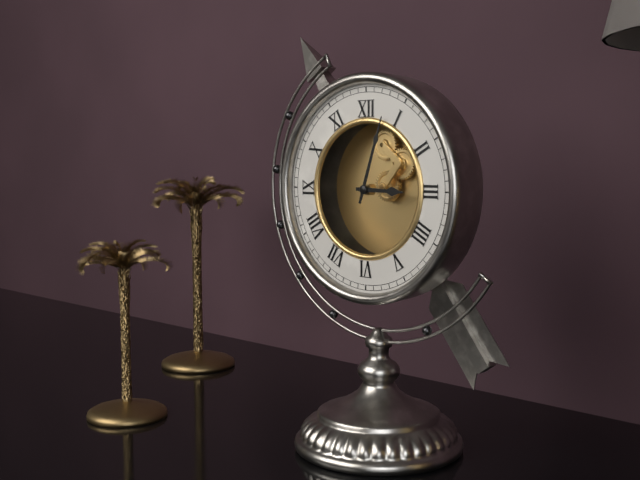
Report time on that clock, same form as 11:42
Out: 3:03
